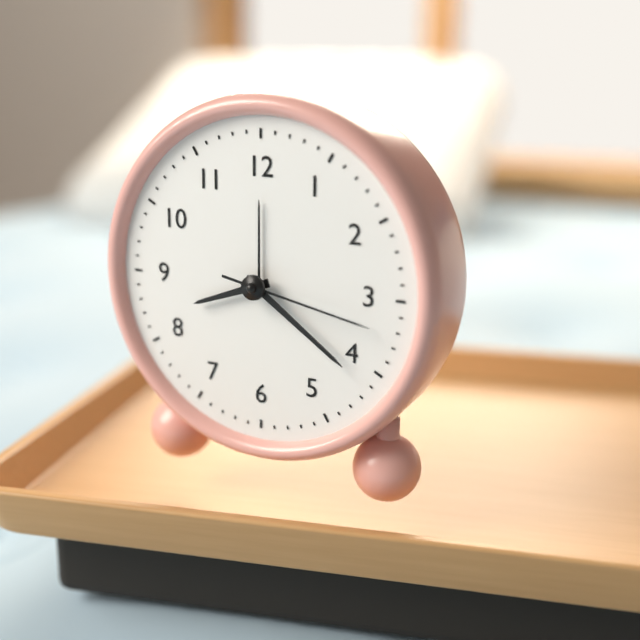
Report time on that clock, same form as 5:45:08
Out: 8:21:17
